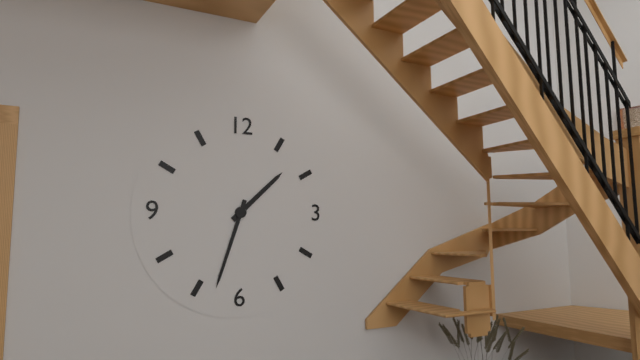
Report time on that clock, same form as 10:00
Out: 1:33
